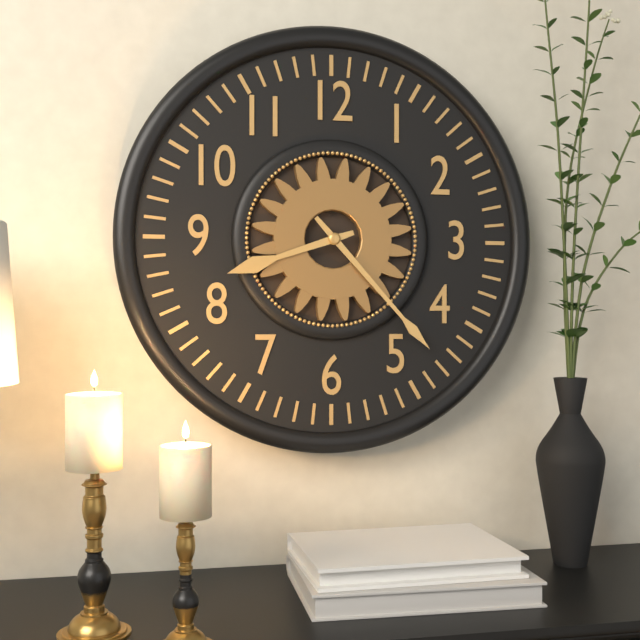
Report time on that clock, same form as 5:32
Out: 8:23
